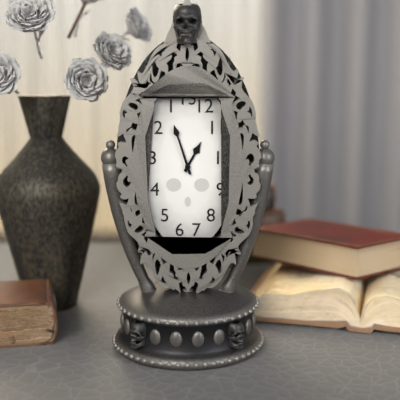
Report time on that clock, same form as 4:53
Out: 12:57
